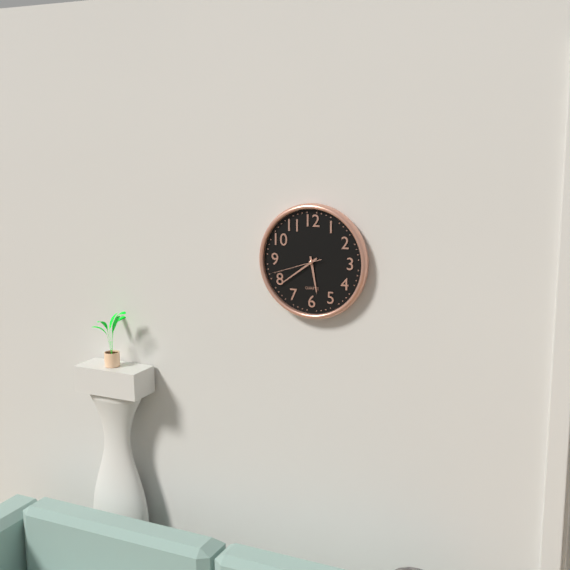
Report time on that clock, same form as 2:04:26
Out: 5:39:42
